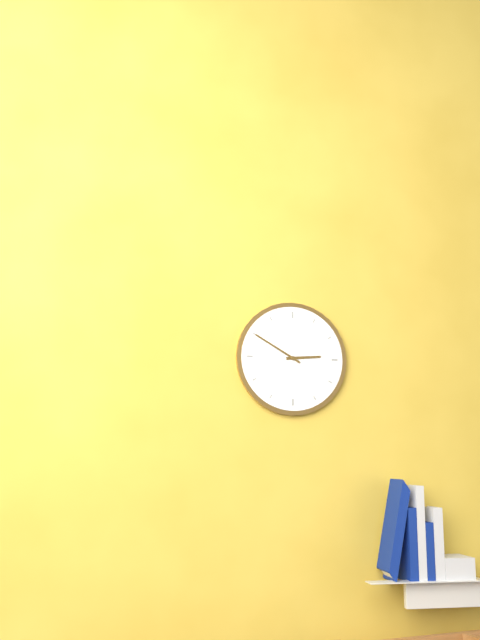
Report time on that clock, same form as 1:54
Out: 2:50
